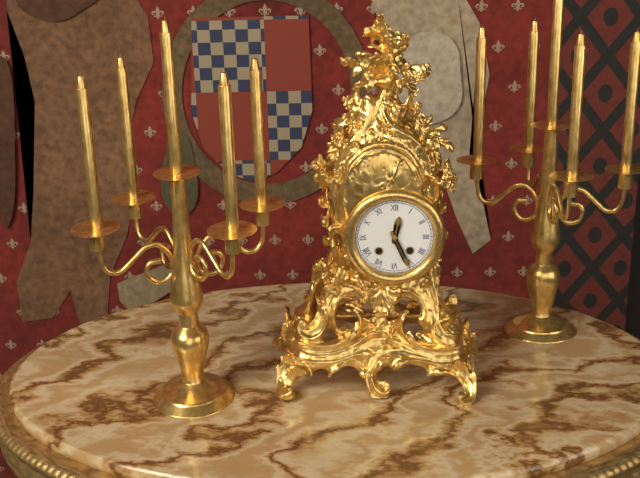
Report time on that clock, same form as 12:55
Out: 12:26
